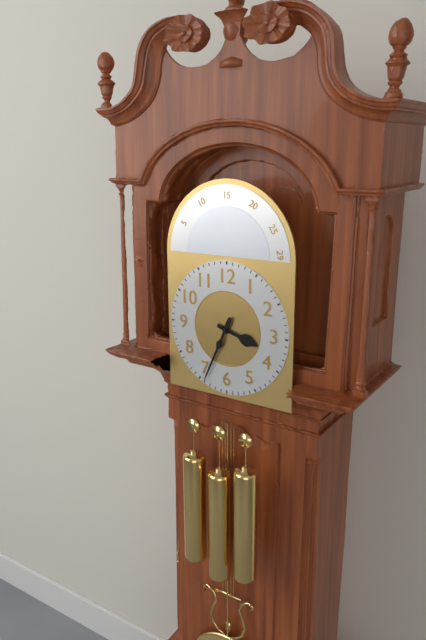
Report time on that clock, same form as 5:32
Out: 3:34
